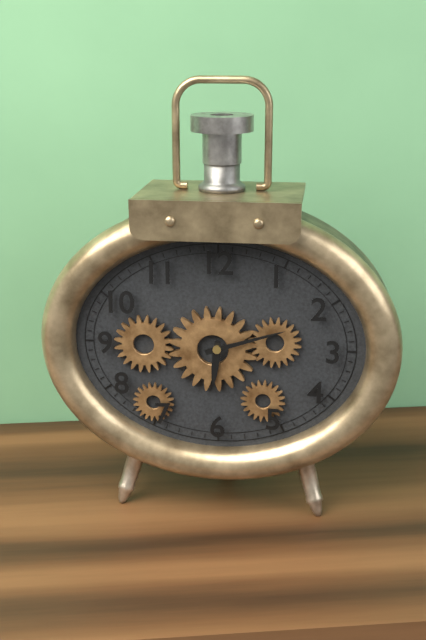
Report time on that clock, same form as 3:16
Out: 6:12
